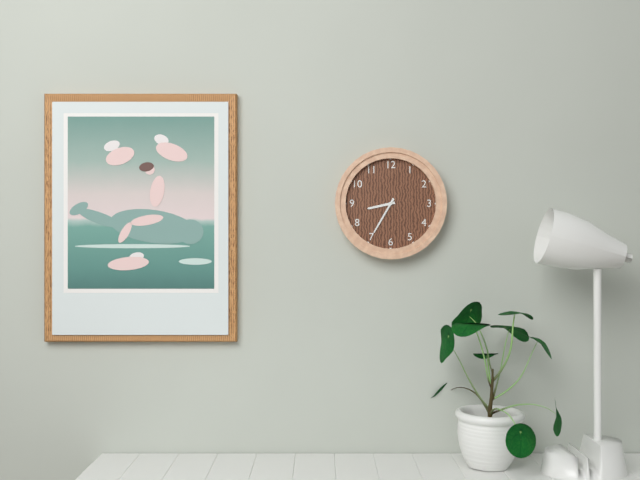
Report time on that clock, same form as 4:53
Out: 8:35
